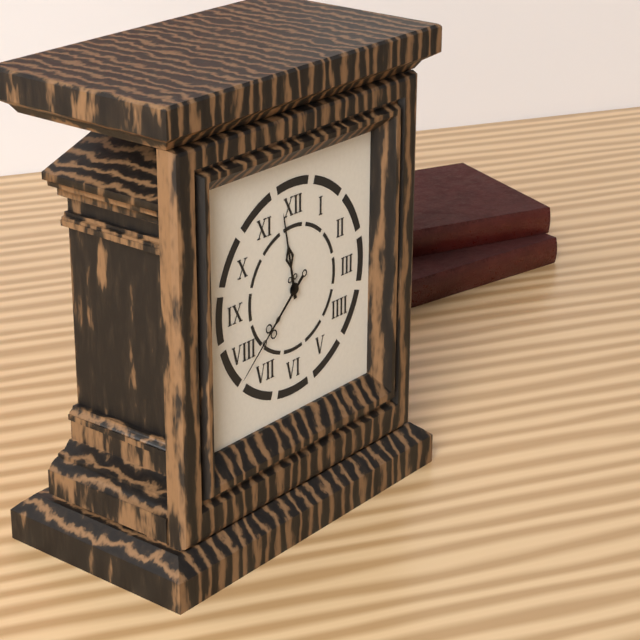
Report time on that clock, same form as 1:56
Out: 11:38
